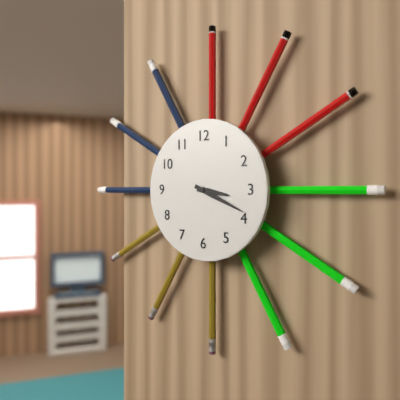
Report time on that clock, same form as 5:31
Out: 3:19
